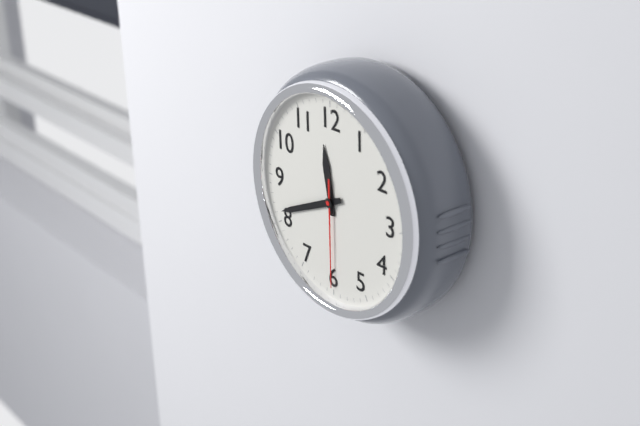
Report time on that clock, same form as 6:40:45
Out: 11:41:30
